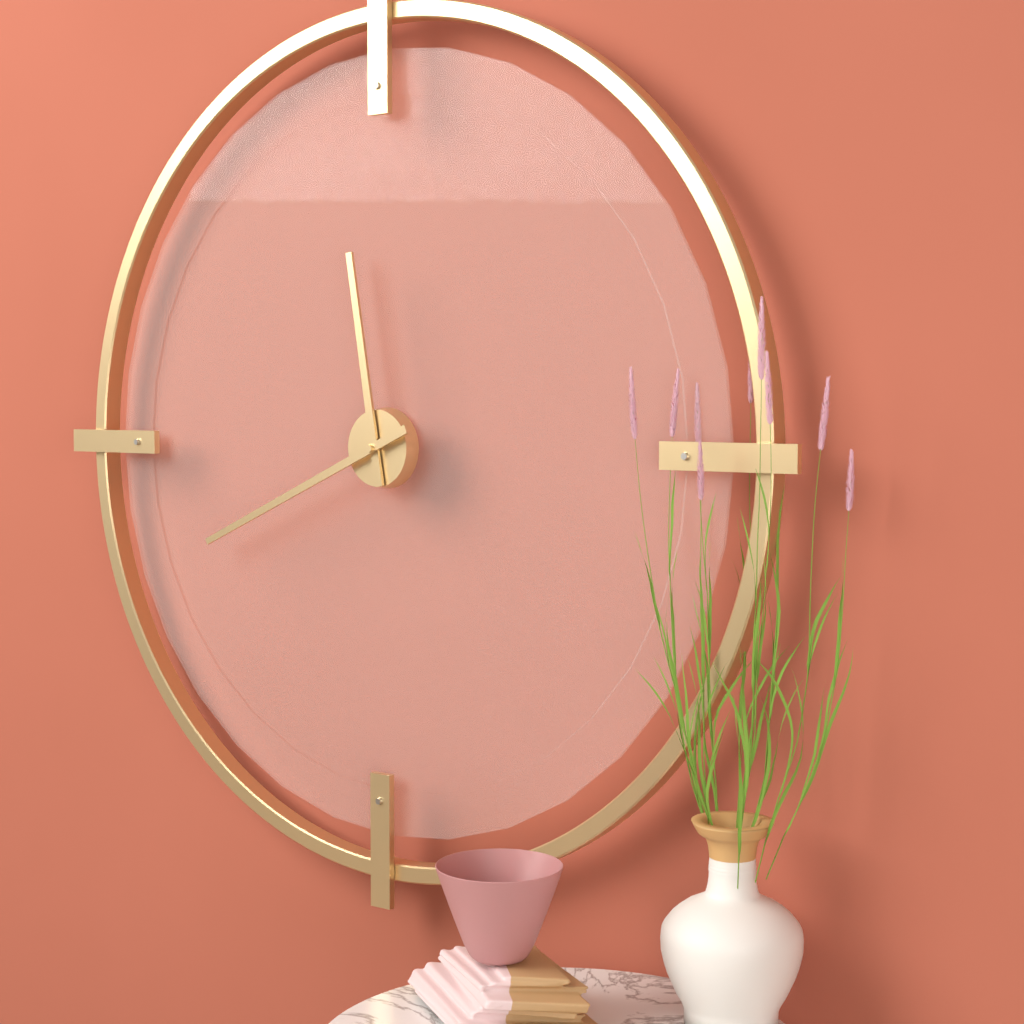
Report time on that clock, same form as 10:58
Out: 11:41
